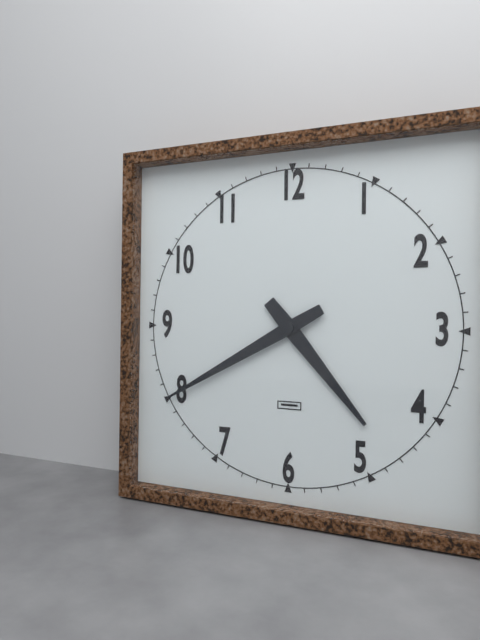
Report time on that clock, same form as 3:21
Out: 4:40
